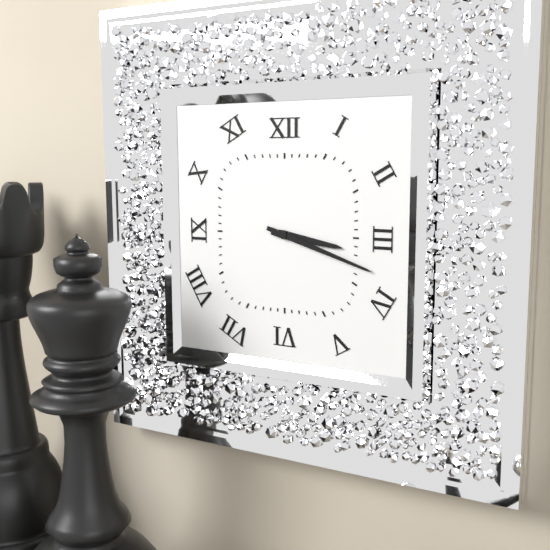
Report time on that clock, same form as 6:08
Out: 3:18
